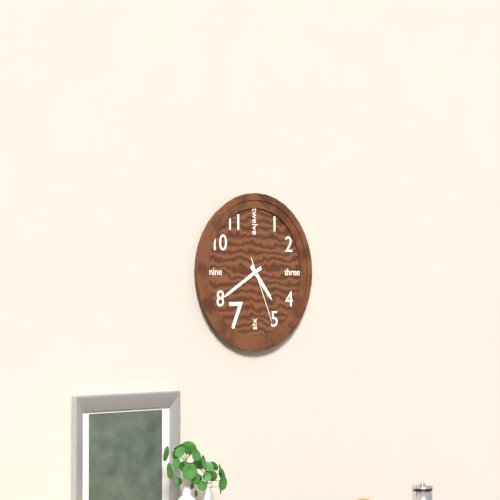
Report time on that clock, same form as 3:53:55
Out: 4:40:26
